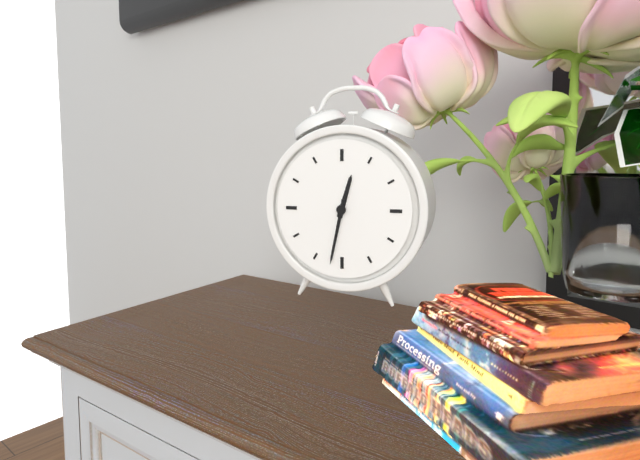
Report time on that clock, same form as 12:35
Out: 12:32
